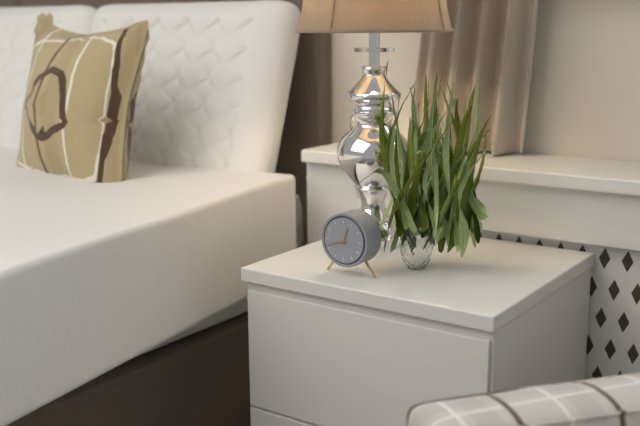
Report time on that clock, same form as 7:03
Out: 12:42
